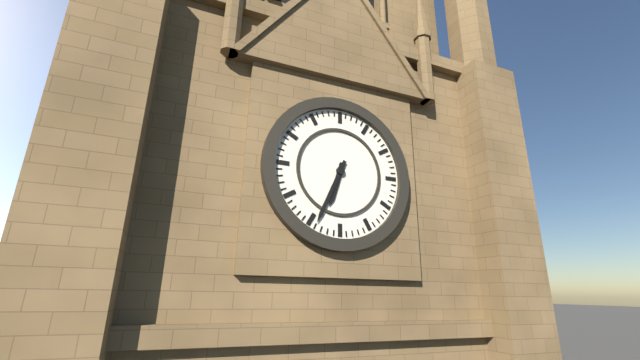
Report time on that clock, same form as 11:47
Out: 6:34
